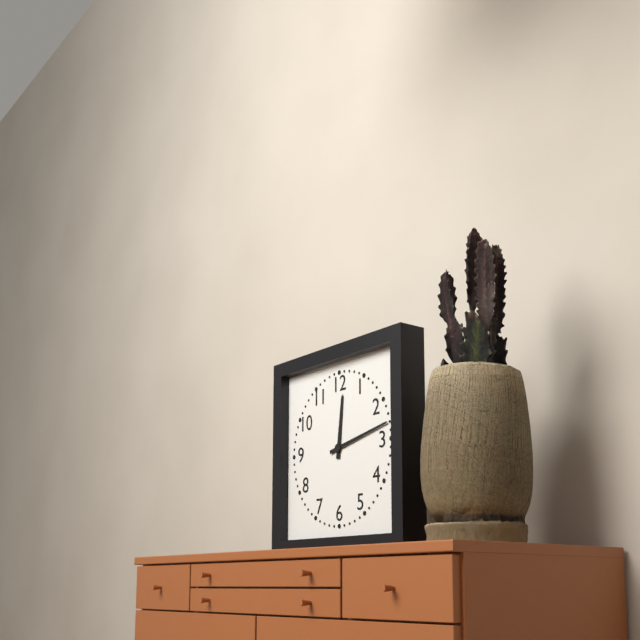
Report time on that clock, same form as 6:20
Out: 12:13
